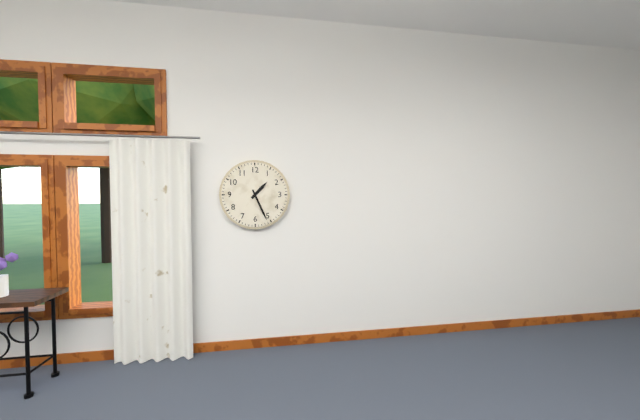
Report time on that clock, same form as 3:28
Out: 1:26
